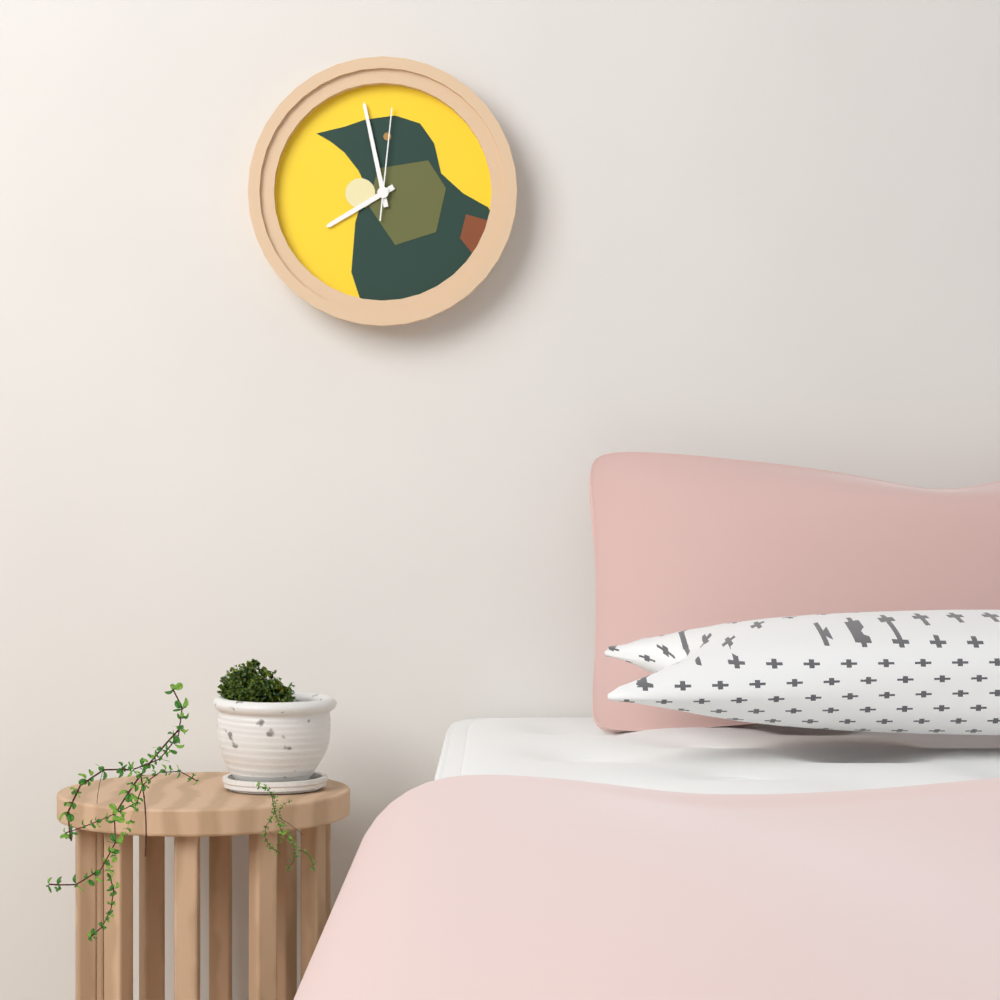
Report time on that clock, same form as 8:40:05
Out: 7:58:01
